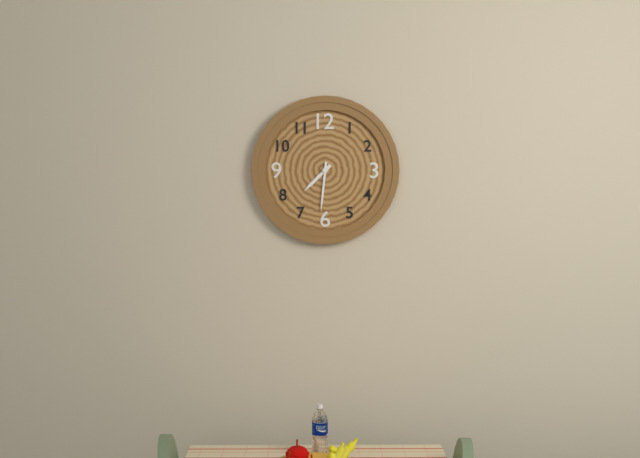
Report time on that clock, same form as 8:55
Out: 7:31
